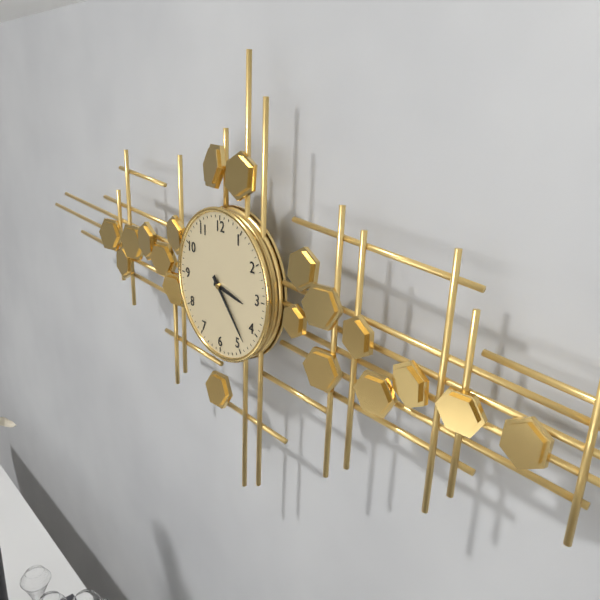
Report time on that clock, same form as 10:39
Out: 3:23
